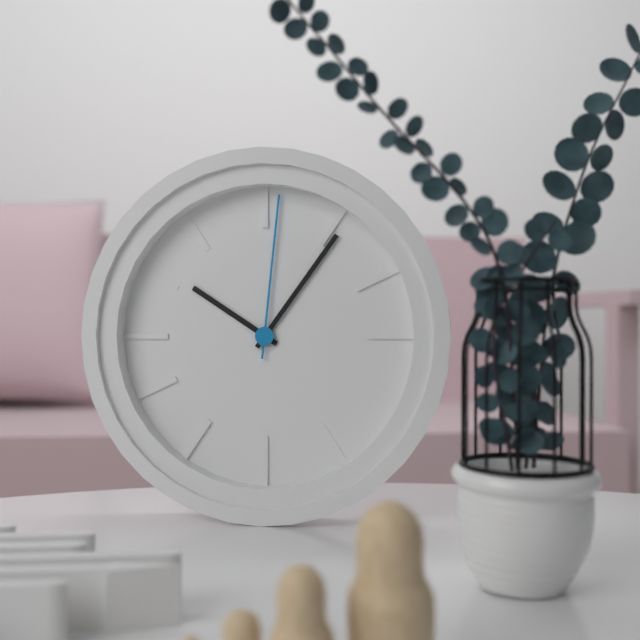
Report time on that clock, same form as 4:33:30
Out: 10:06:01
